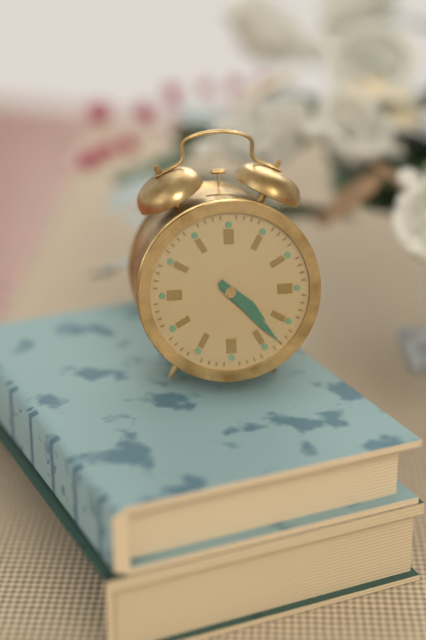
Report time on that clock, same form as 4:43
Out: 4:23
